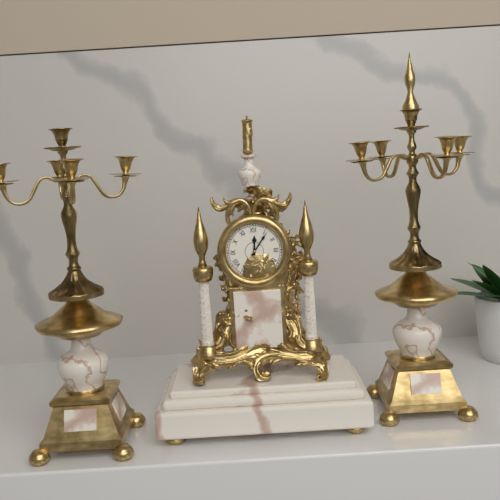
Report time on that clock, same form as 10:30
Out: 12:06
